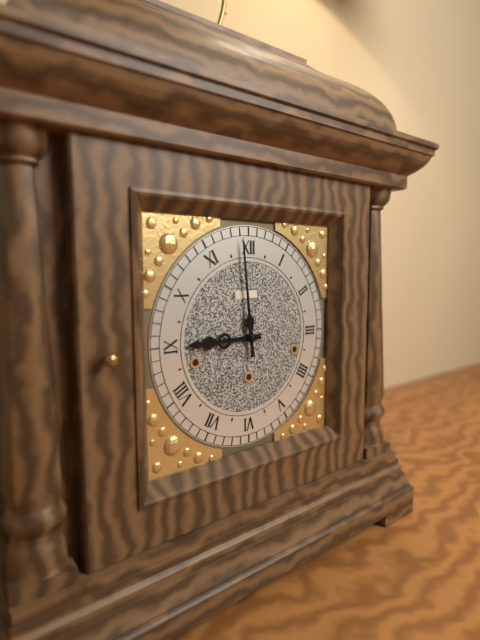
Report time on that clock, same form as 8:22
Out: 8:59
